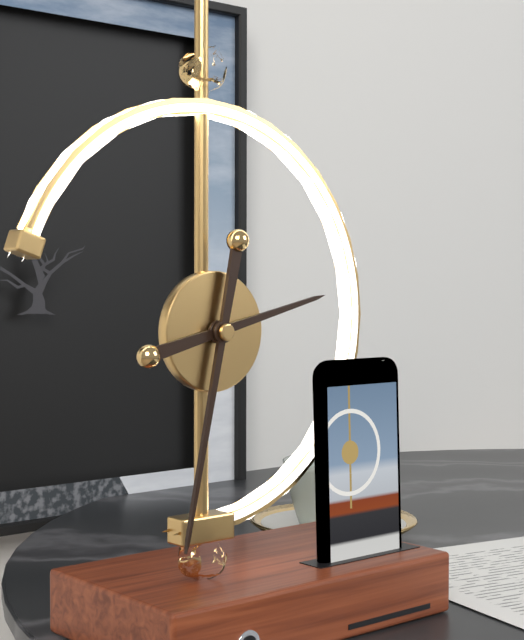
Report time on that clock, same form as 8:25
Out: 2:32
